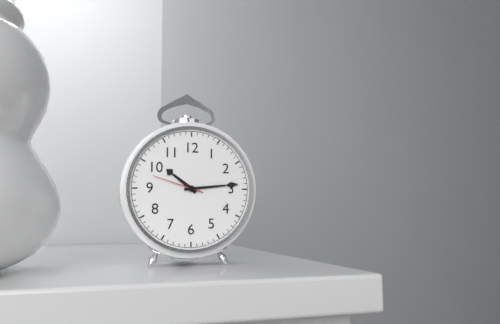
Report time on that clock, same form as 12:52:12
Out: 10:14:48
